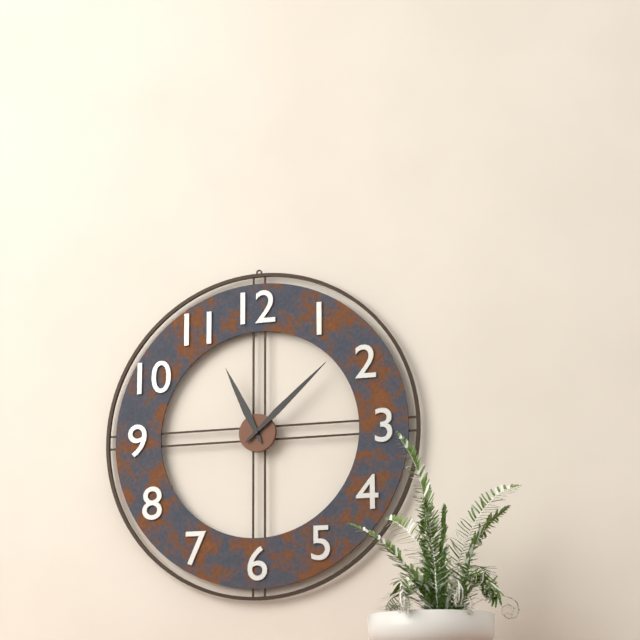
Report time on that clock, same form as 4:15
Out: 11:08
